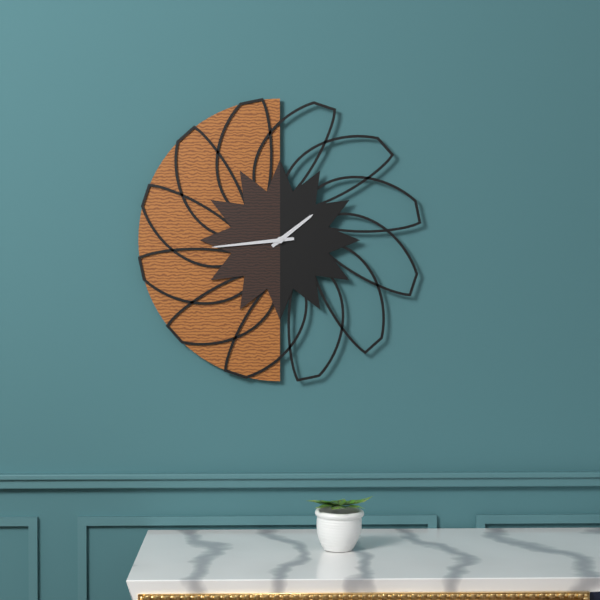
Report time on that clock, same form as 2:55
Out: 1:44
